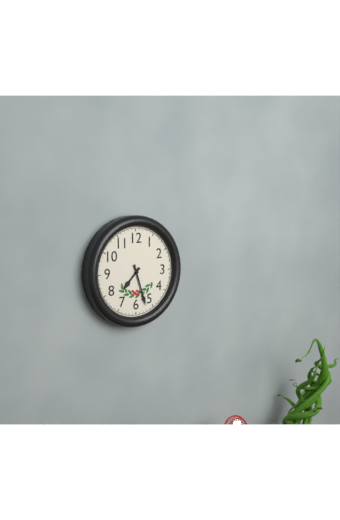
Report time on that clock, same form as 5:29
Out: 7:27
